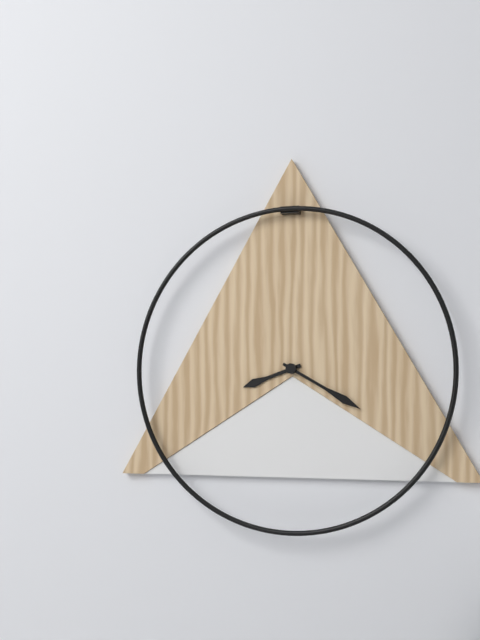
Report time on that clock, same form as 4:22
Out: 8:20
